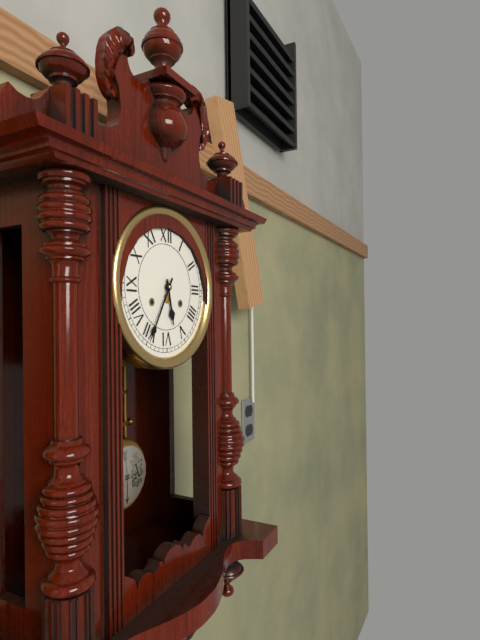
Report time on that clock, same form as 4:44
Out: 5:35
